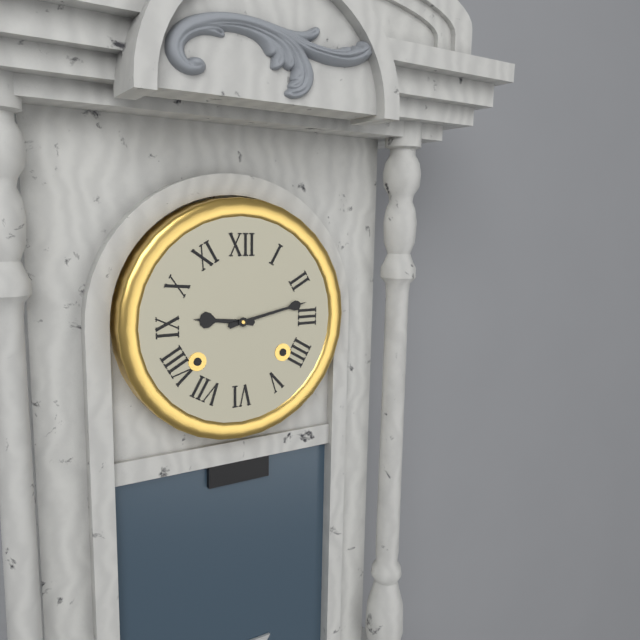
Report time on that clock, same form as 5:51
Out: 9:13
